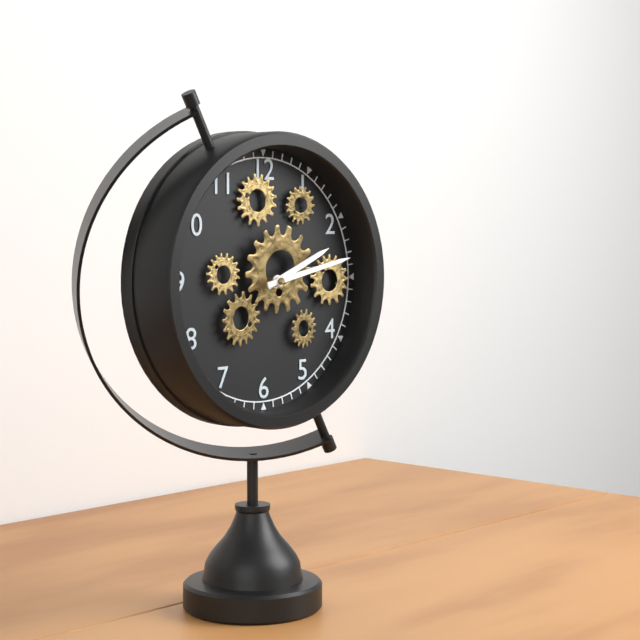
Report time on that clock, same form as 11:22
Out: 2:13
